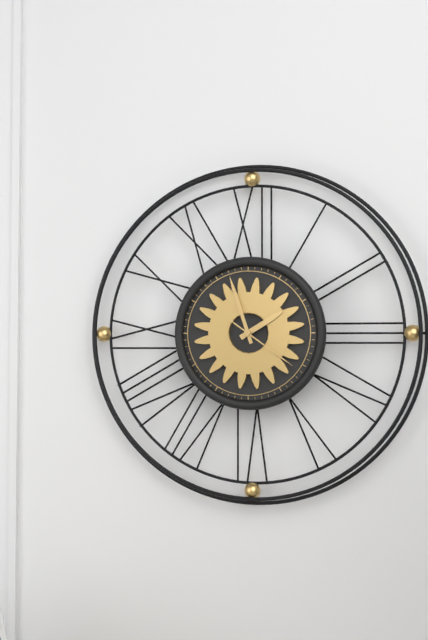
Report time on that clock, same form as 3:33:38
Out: 1:57:21
